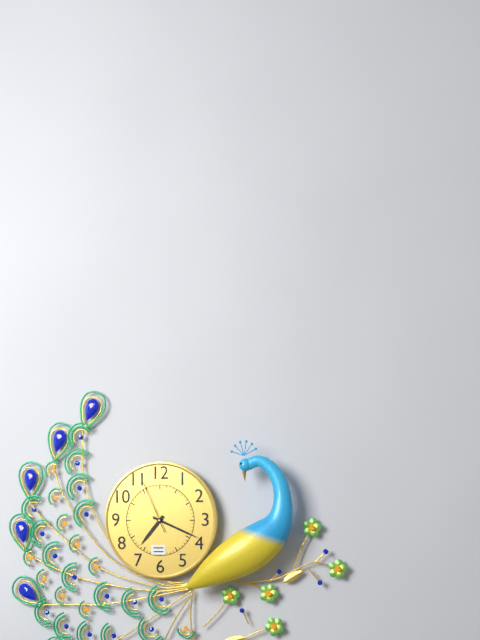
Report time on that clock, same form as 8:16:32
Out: 7:19:56
